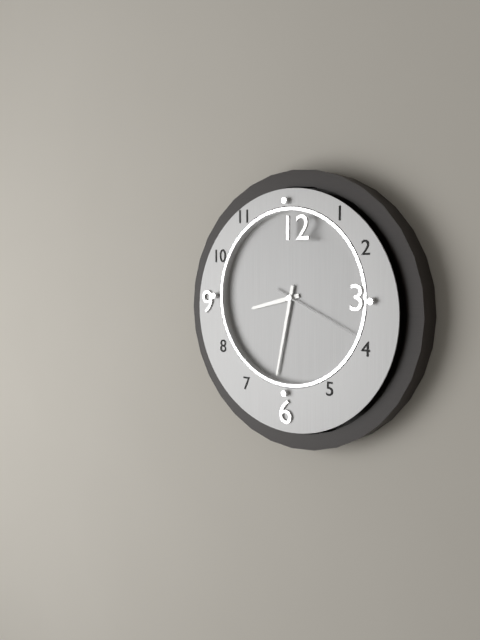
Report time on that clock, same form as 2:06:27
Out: 8:32:19
